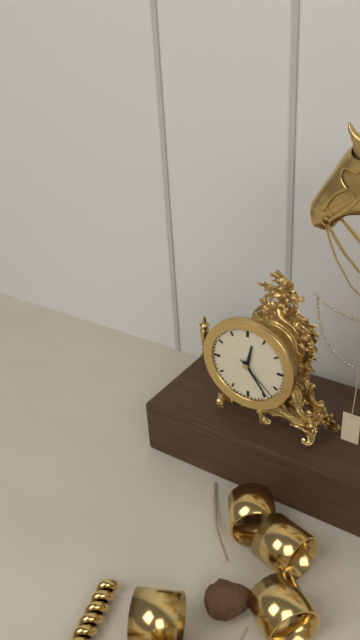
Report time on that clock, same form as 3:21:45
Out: 12:24:22
